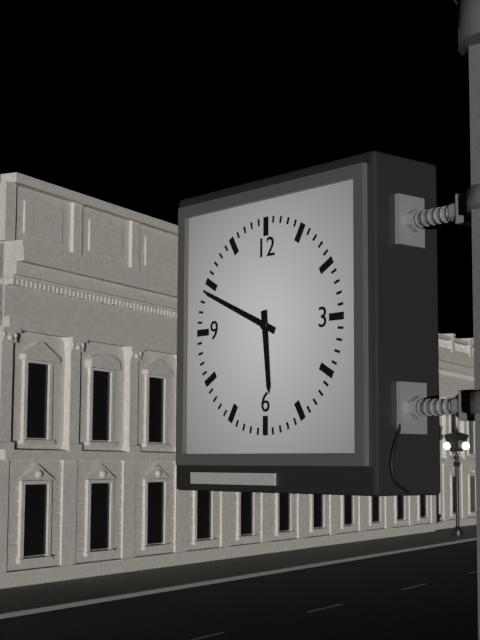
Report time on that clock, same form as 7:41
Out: 5:49
